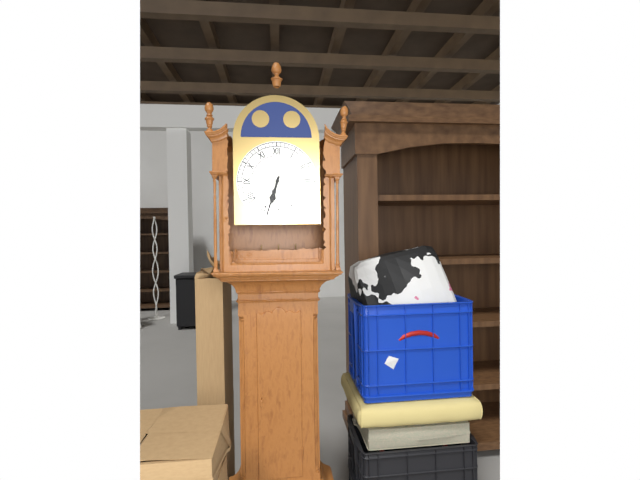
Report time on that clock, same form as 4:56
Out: 6:33
